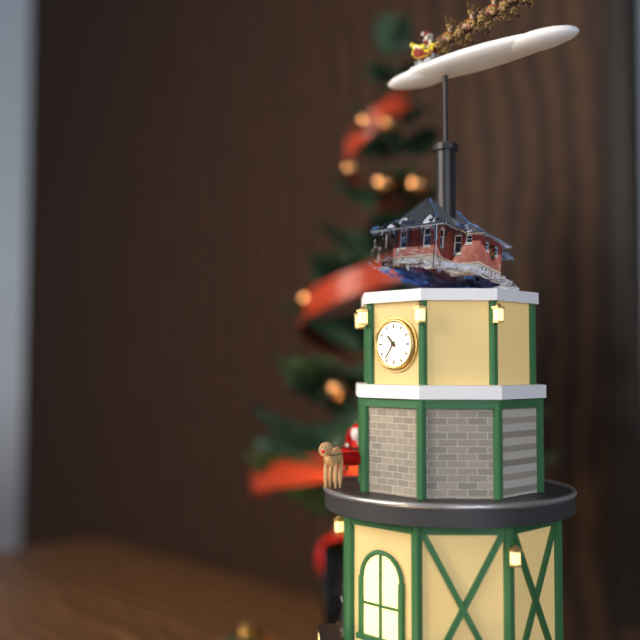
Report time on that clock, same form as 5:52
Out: 10:36
